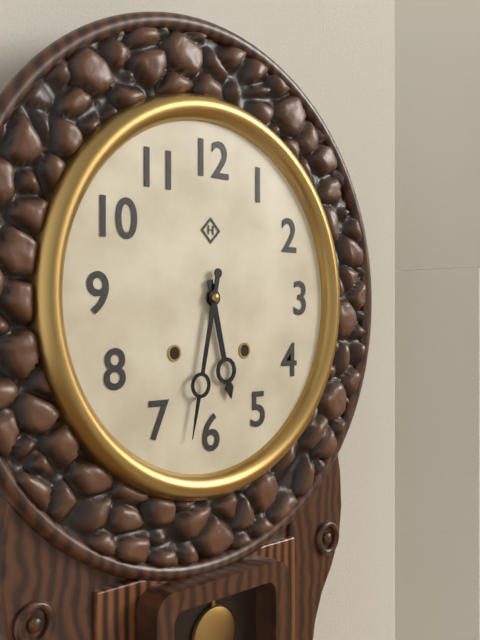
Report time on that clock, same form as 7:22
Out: 5:32
